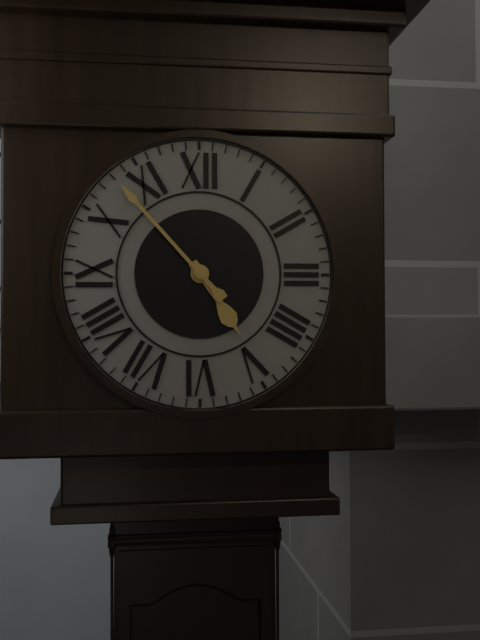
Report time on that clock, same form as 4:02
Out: 4:53
